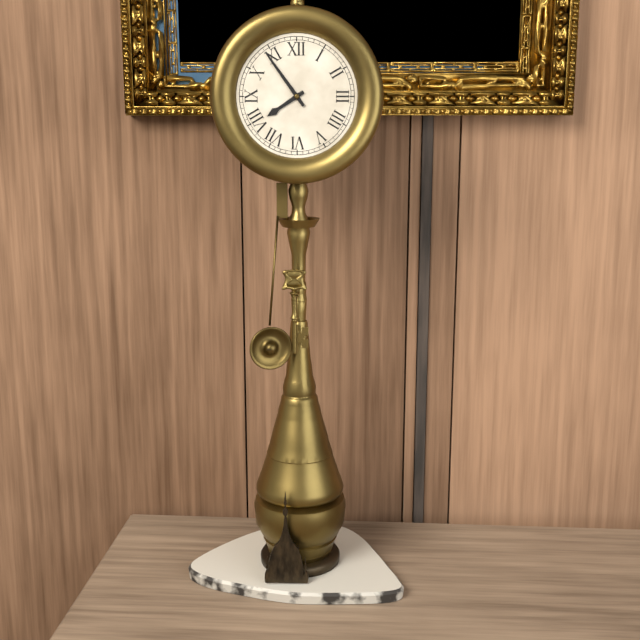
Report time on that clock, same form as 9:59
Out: 7:54
